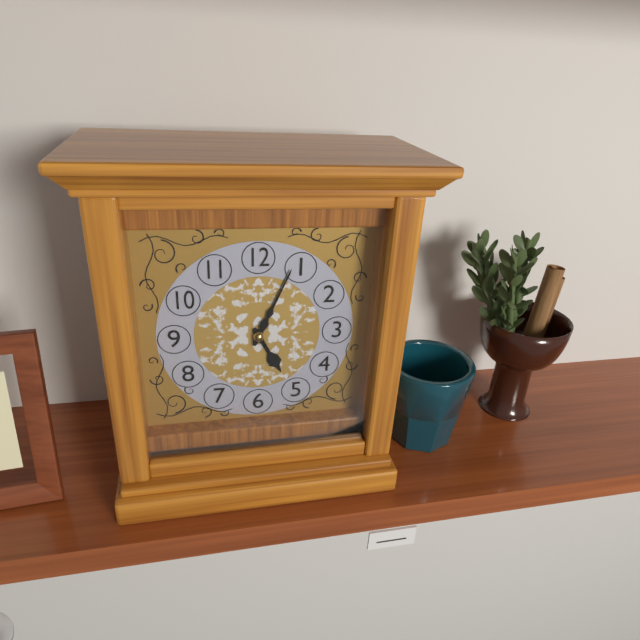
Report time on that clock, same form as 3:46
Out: 5:04
